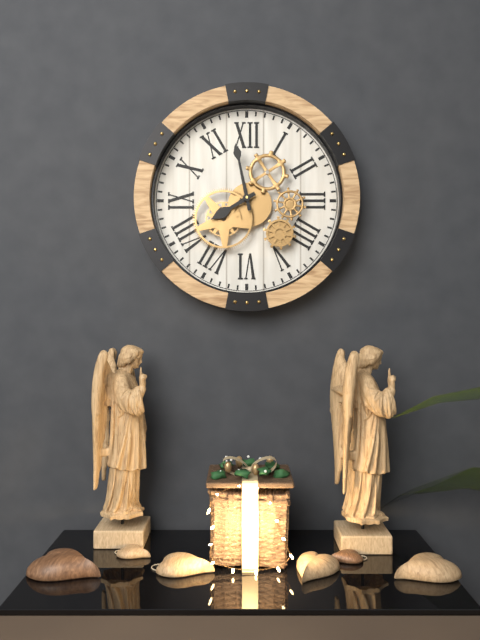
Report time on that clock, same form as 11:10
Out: 7:58
